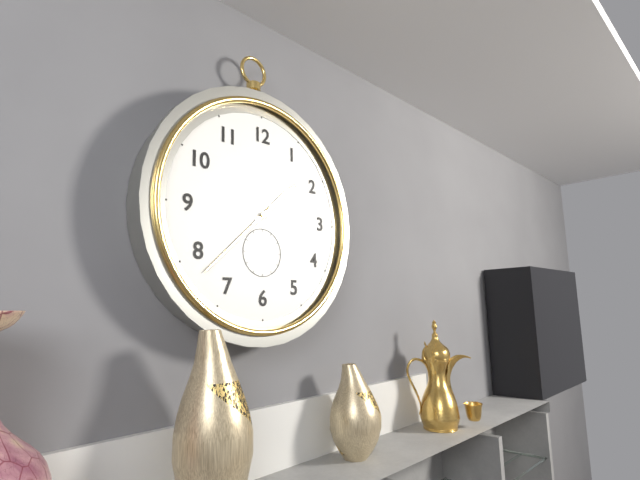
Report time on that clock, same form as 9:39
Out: 1:38
